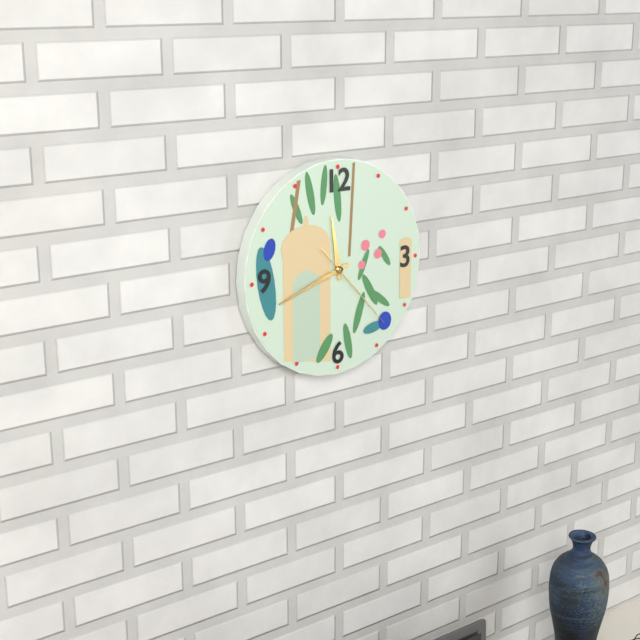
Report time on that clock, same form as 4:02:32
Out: 11:42:23
